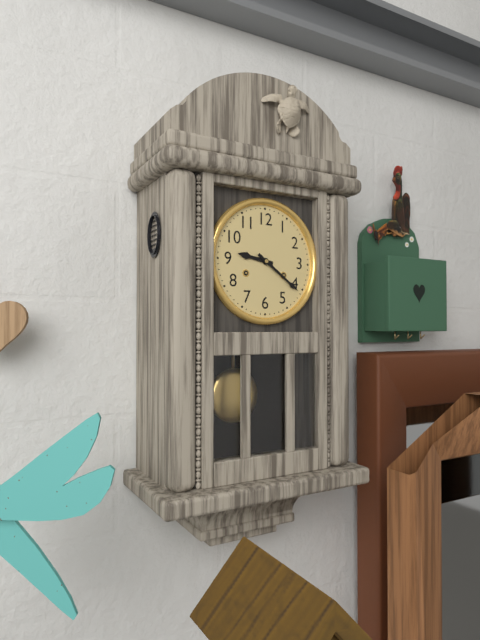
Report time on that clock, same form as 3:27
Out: 9:21
